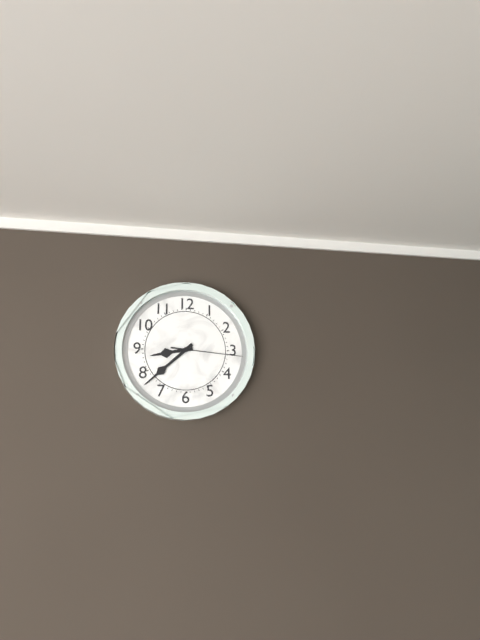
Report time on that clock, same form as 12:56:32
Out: 8:38:16
